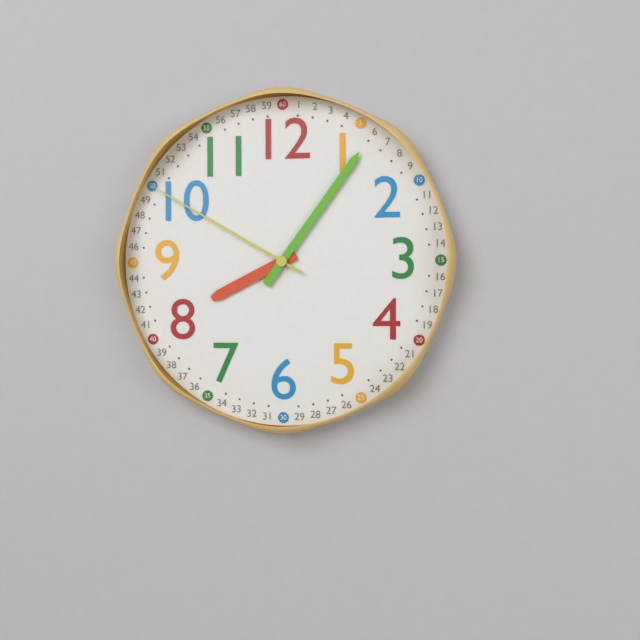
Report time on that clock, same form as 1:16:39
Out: 8:06:50
